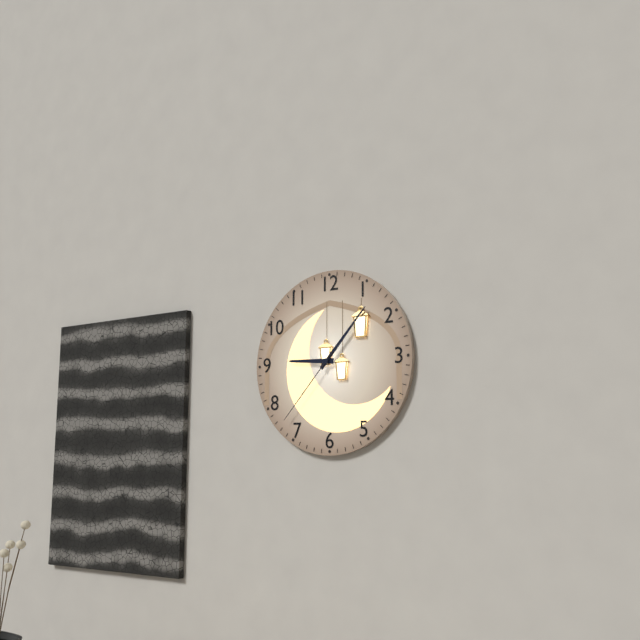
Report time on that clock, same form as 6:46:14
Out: 9:07:37
